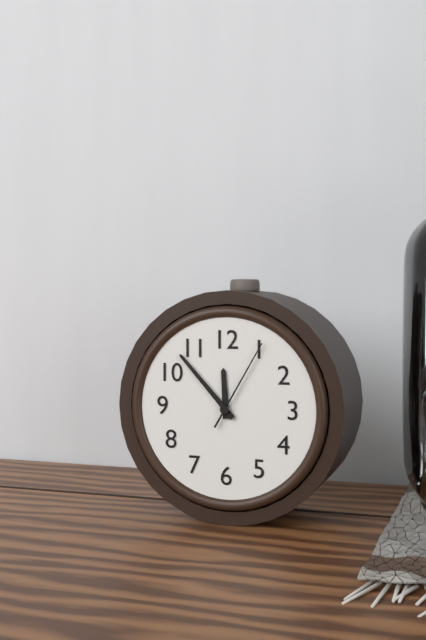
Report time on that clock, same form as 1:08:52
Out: 11:53:05
